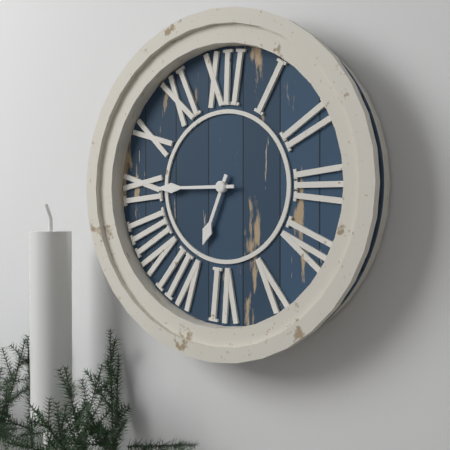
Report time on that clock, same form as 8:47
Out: 6:45
